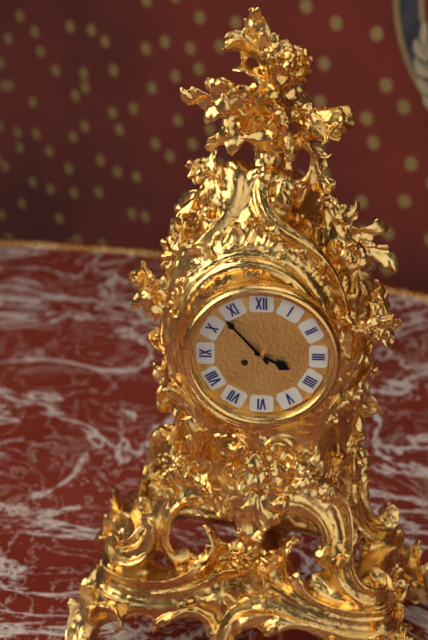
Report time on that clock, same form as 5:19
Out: 3:53
